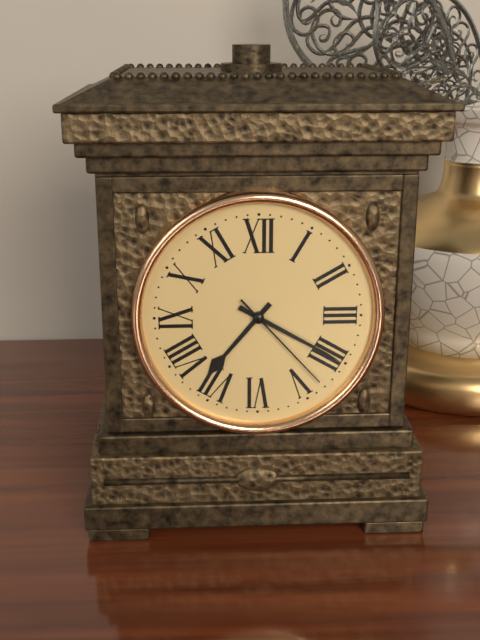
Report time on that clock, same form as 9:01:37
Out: 7:20:23
